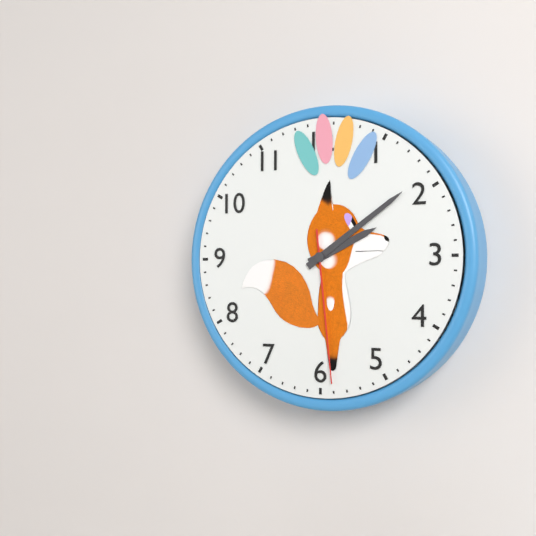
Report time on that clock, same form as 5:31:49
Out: 2:09:29
